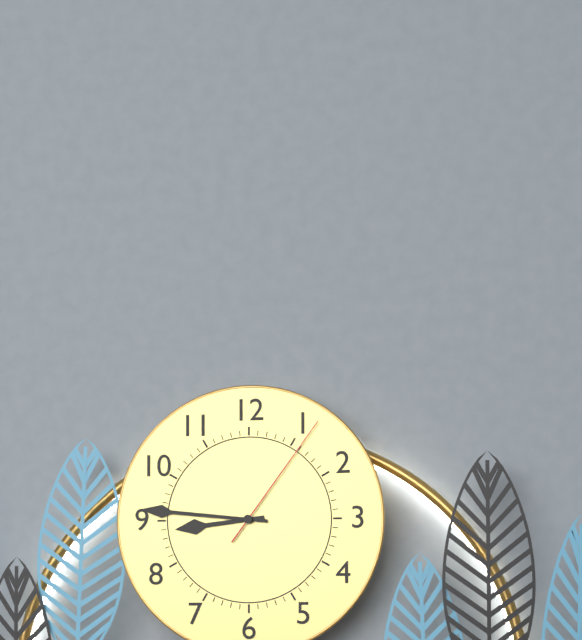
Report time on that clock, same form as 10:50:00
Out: 8:46:06
